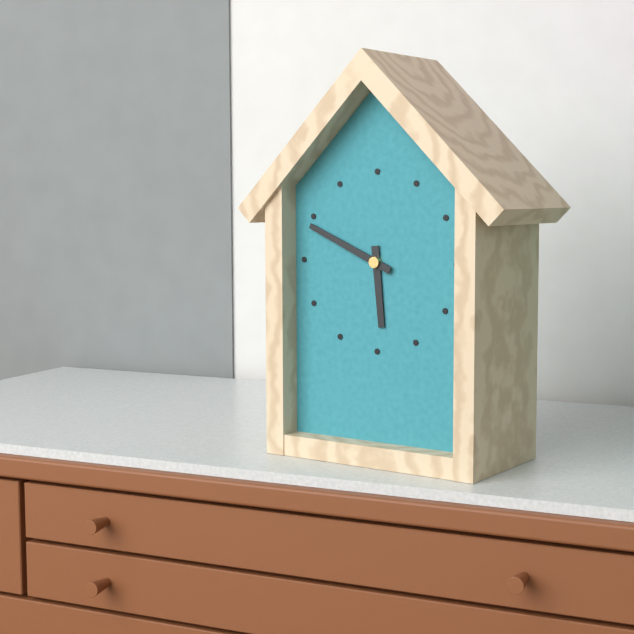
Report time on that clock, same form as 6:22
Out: 5:49
